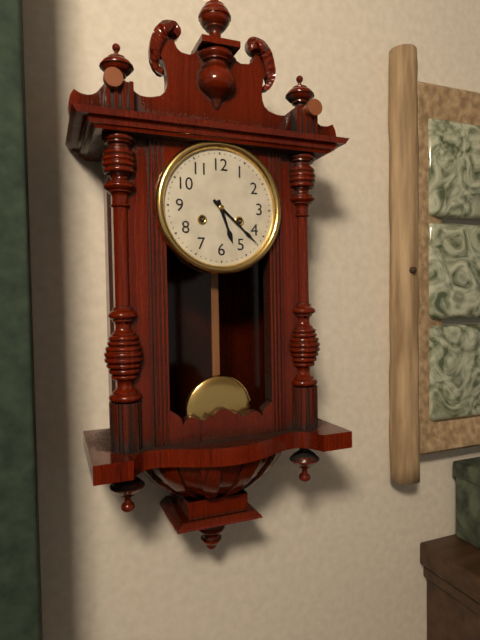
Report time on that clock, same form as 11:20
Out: 5:22
